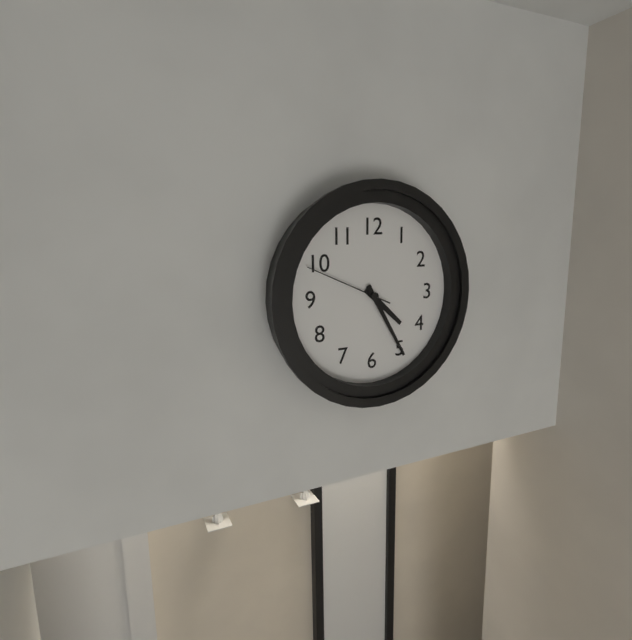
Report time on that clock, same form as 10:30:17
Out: 4:25:49
